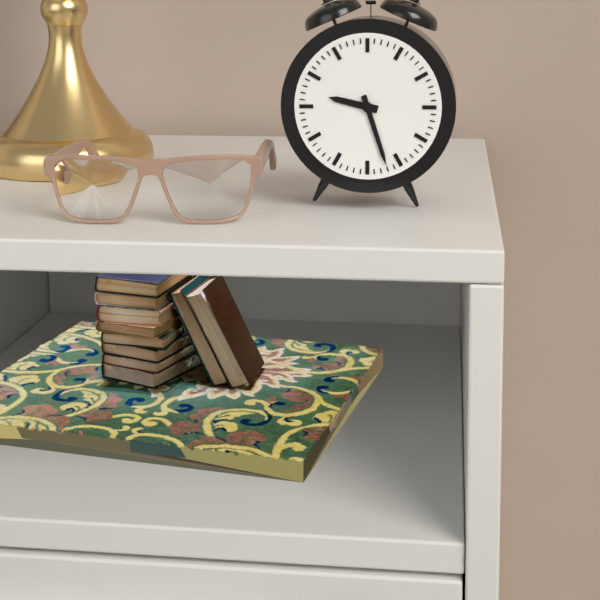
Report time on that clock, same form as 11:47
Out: 9:27
